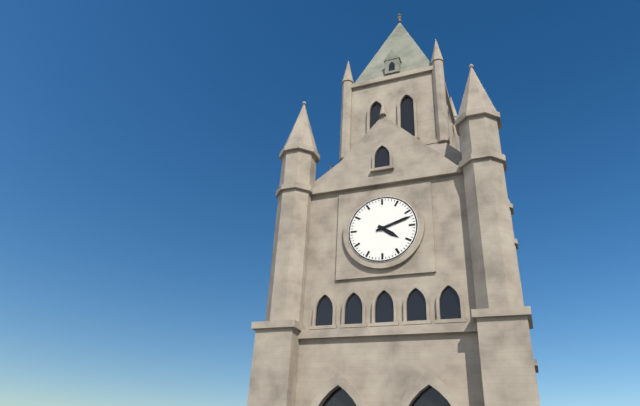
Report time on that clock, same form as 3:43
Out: 4:12
